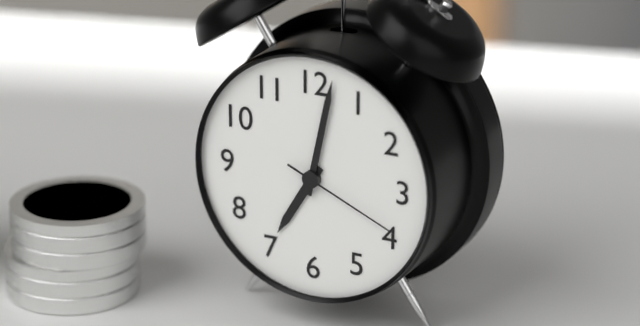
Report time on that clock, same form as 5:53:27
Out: 7:02:19
